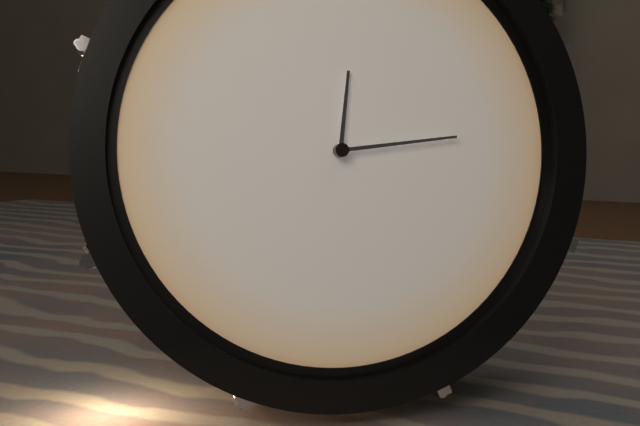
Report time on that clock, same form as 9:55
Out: 12:14
